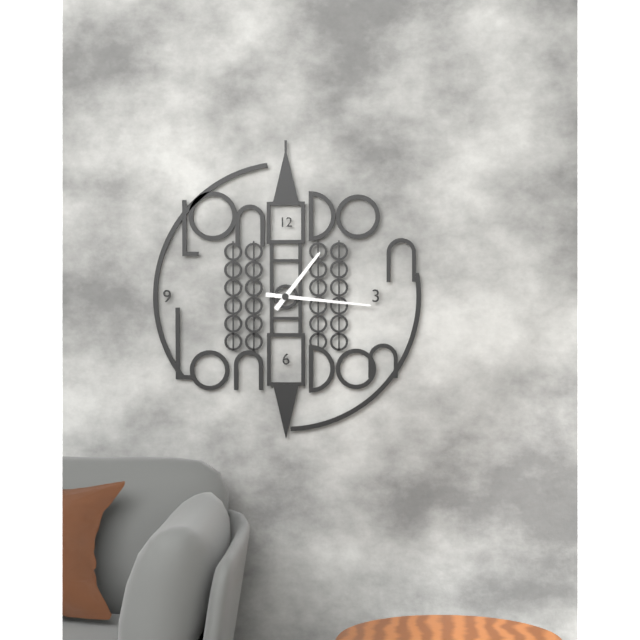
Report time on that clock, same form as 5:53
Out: 1:16
